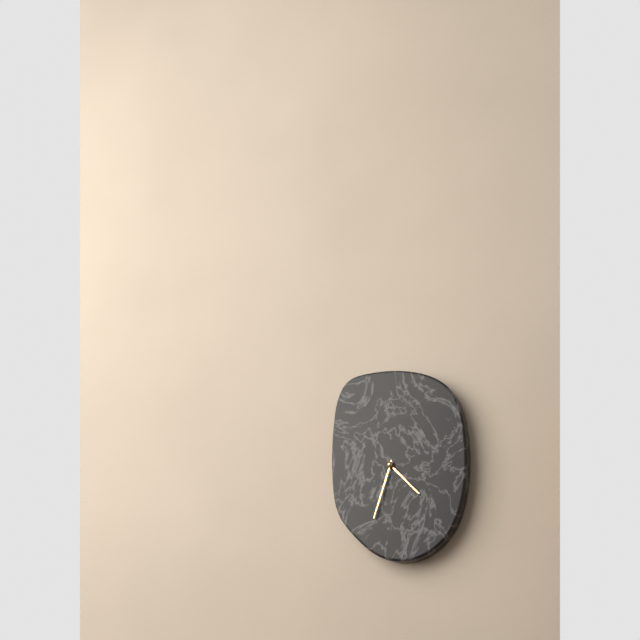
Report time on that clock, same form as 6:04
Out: 4:33
